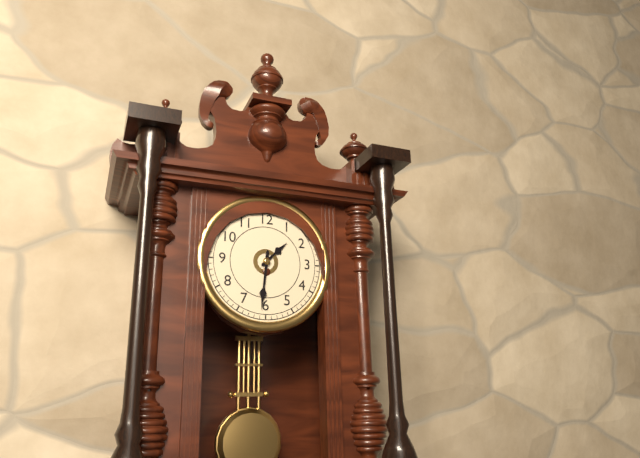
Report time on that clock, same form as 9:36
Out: 1:31
